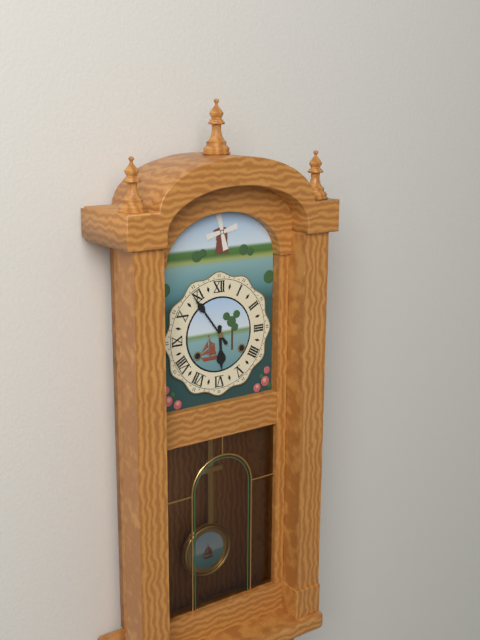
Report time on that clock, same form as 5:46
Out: 5:54
